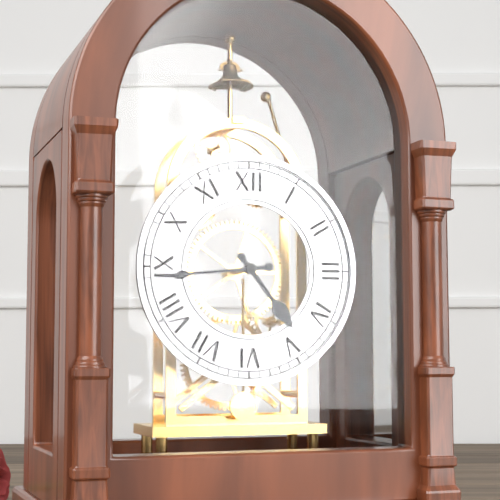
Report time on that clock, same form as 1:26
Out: 4:44
